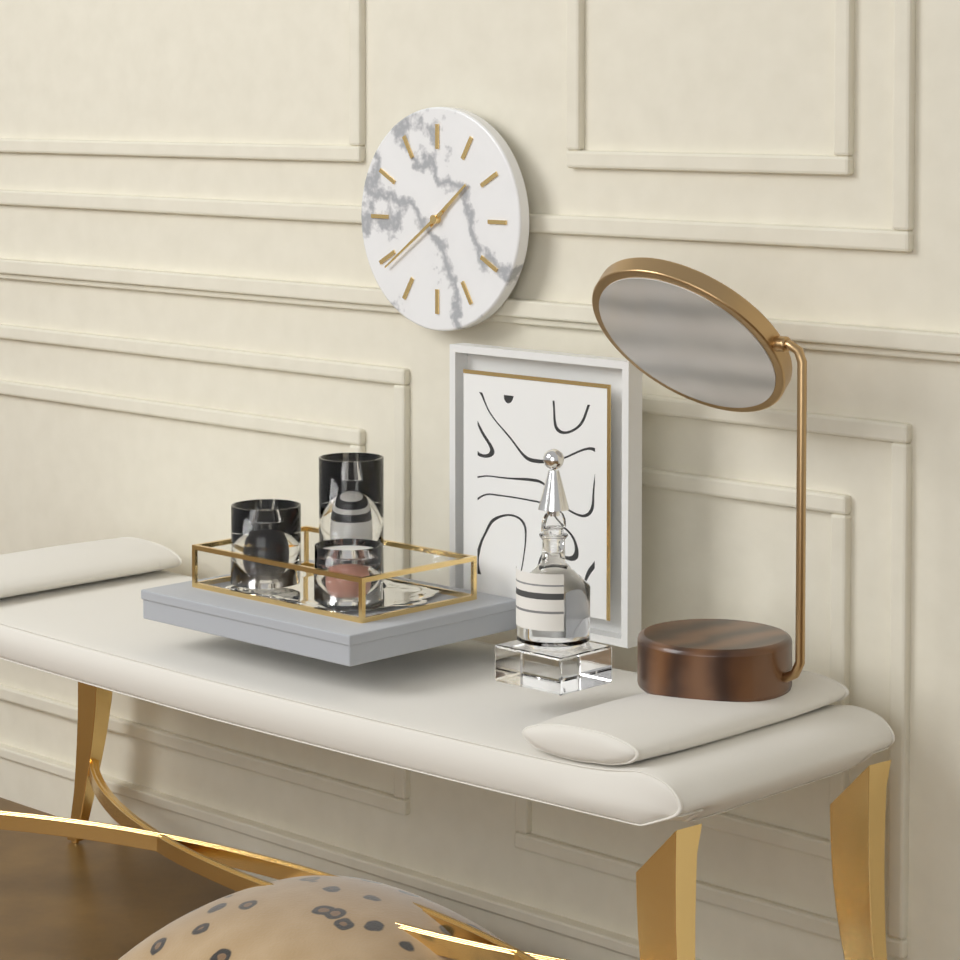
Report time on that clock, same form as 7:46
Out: 1:39
